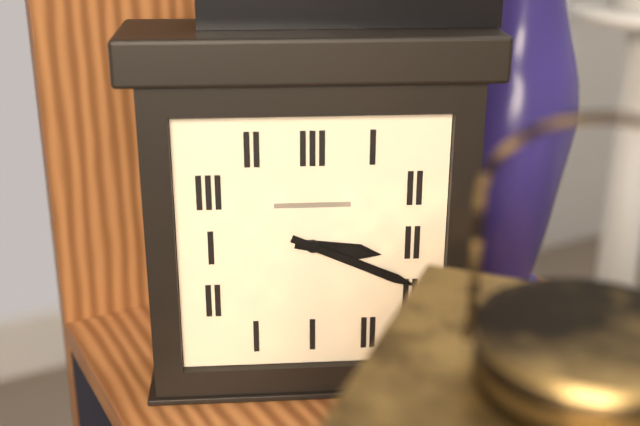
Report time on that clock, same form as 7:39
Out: 3:19
